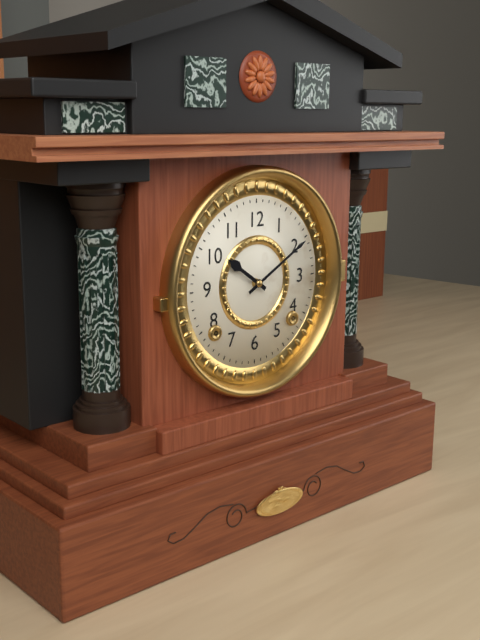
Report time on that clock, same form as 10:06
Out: 10:10
